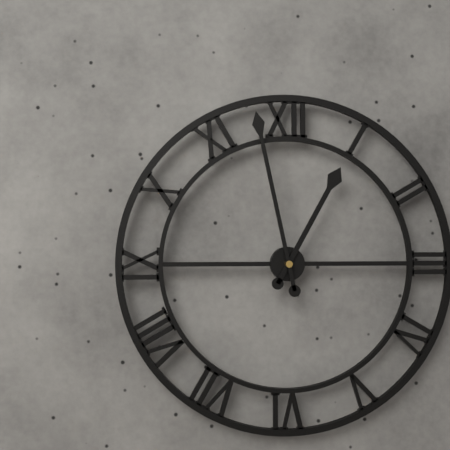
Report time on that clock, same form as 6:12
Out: 12:58
